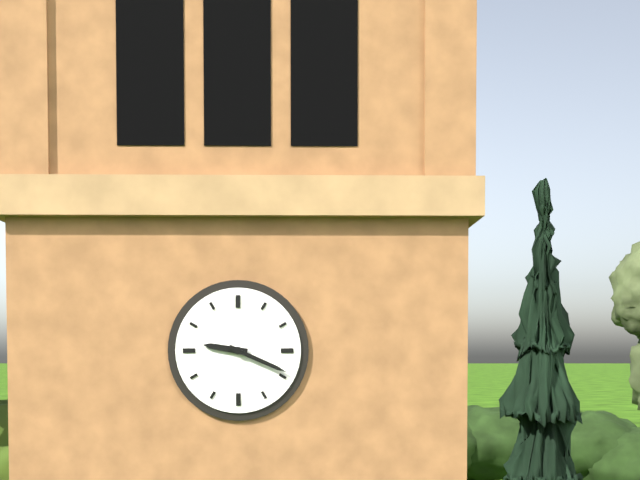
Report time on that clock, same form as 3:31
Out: 9:19
